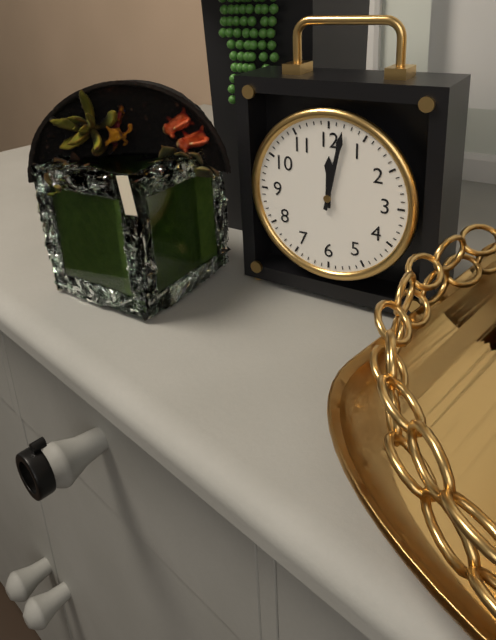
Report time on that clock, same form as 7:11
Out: 12:02
